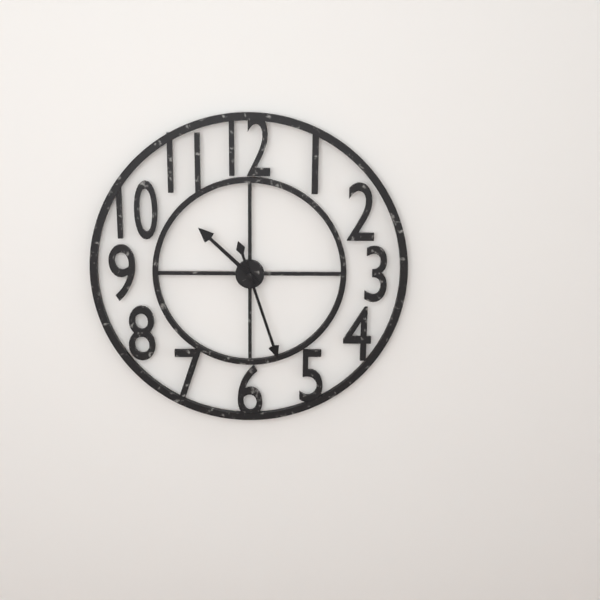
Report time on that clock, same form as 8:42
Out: 10:27
